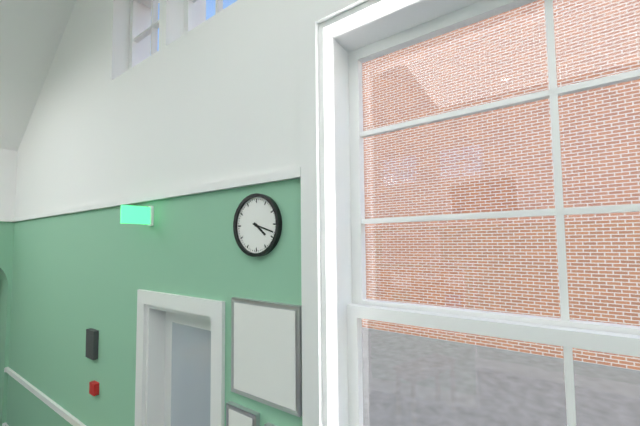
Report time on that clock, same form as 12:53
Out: 4:18
